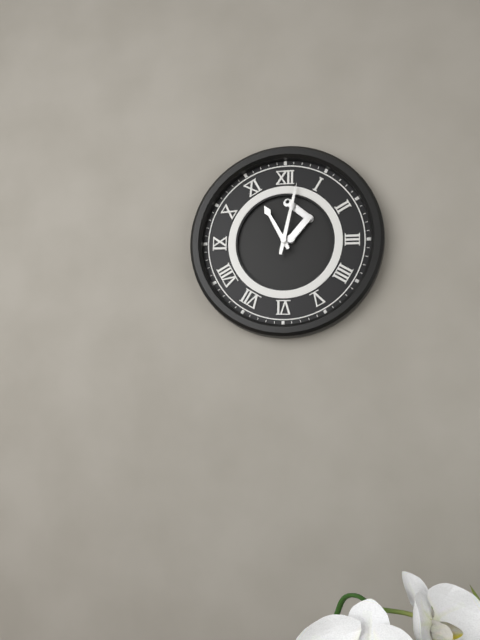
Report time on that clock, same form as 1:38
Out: 11:02
